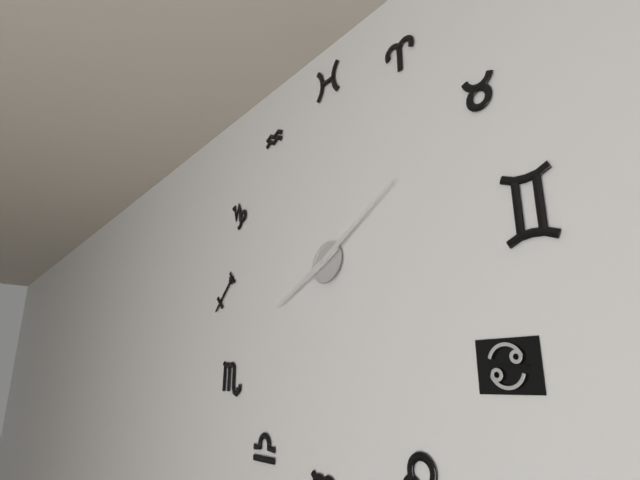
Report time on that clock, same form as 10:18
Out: 8:10
